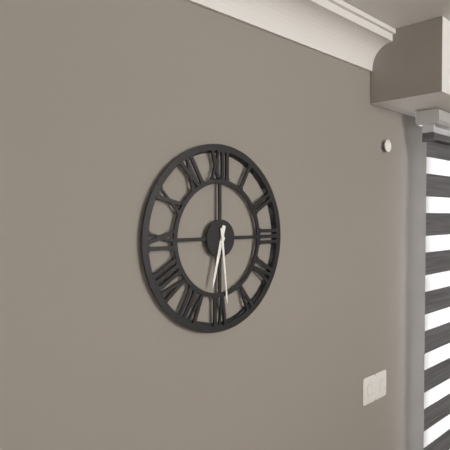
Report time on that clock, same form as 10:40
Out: 6:29
